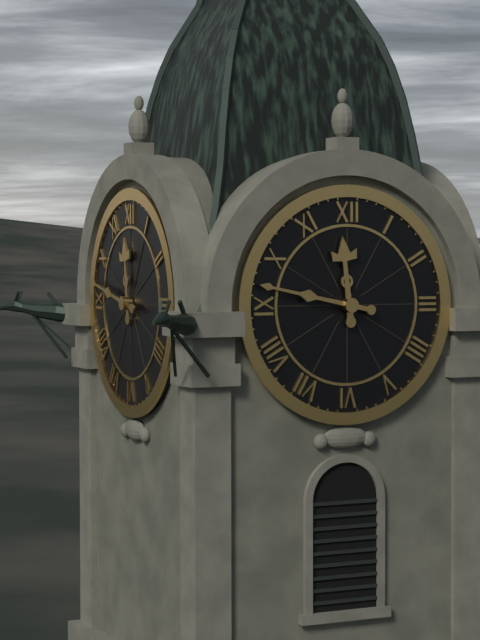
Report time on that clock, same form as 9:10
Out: 11:47
